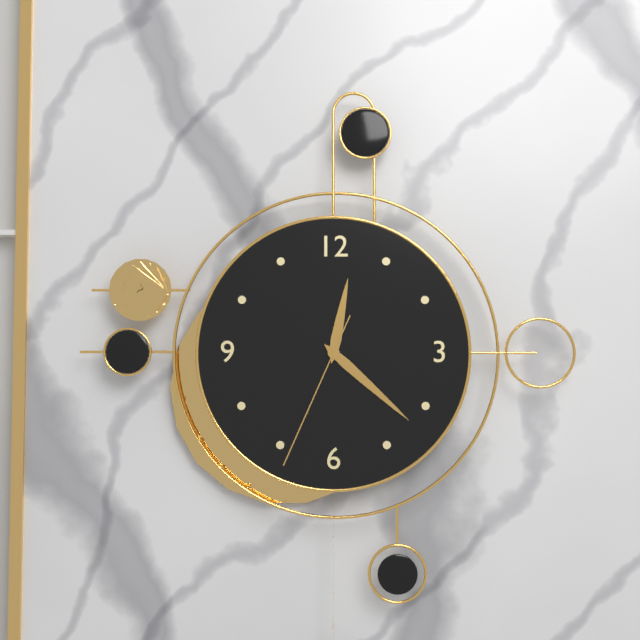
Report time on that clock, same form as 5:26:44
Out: 12:22:34
